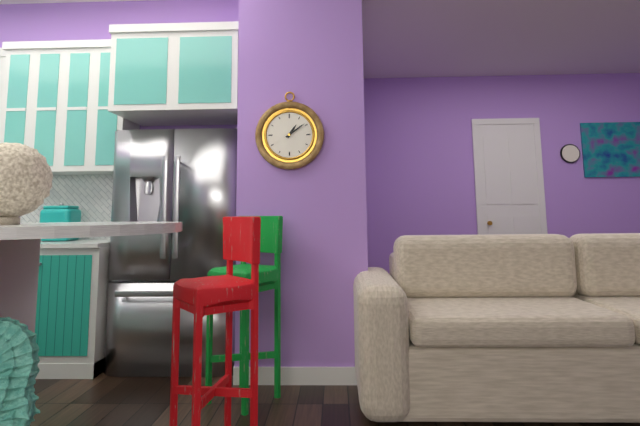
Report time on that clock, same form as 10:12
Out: 1:09
